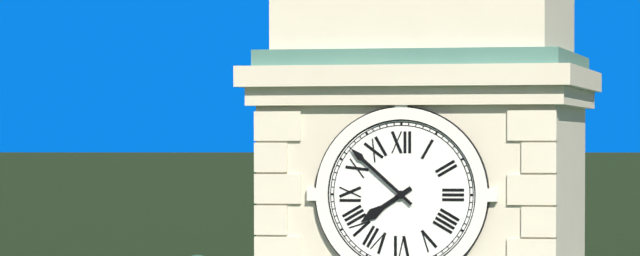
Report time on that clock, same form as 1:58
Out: 7:52
